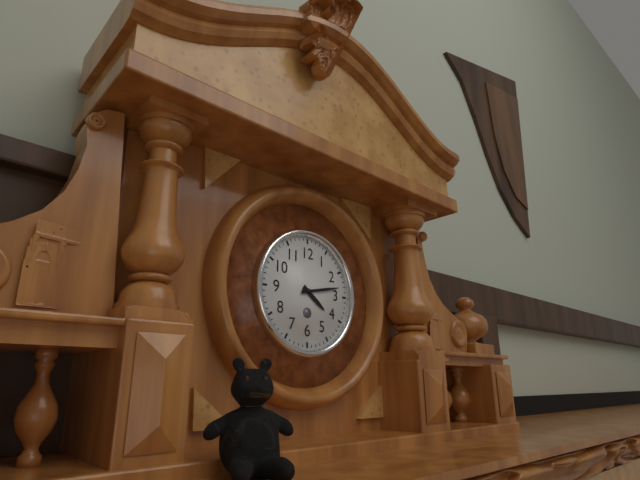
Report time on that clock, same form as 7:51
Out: 4:13
